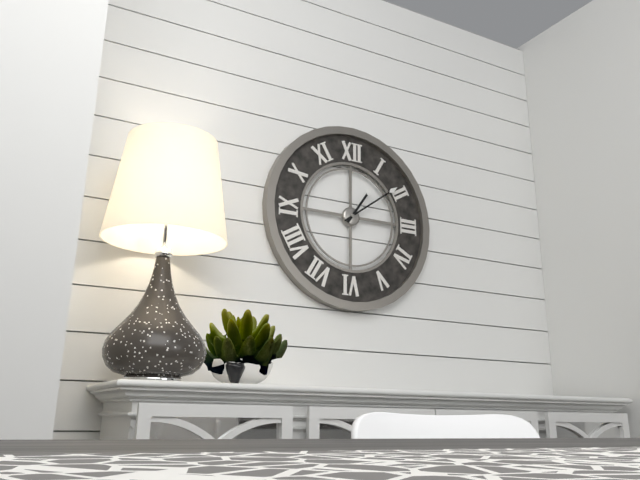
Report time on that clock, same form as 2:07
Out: 1:09
